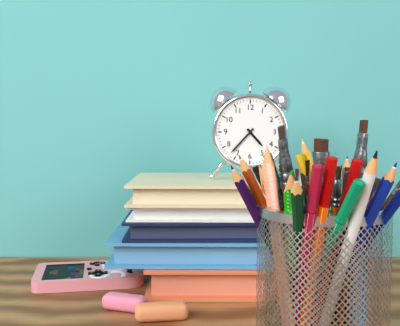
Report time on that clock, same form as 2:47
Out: 4:37
